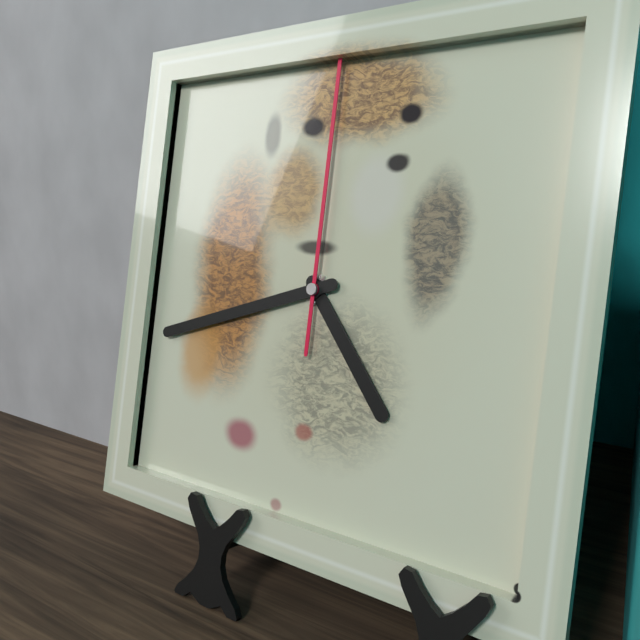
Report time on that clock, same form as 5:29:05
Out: 4:42:00
